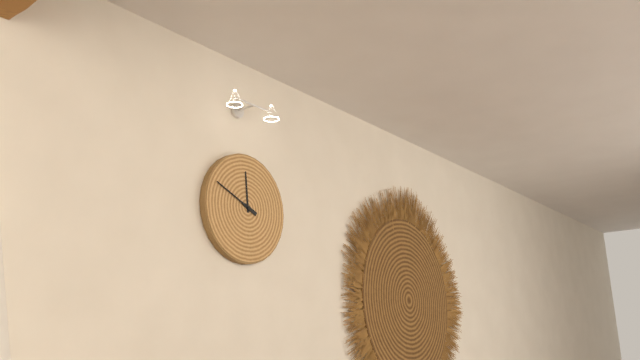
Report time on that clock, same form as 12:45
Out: 11:49
